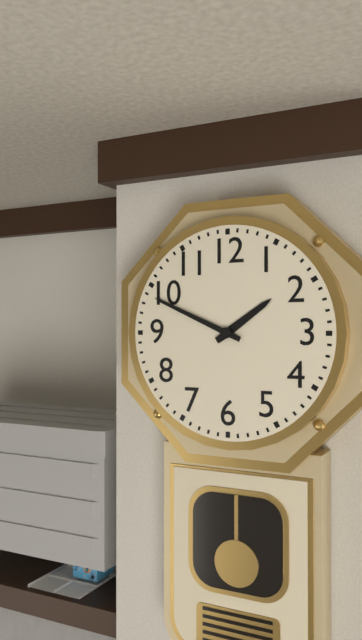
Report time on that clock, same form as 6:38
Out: 1:49
